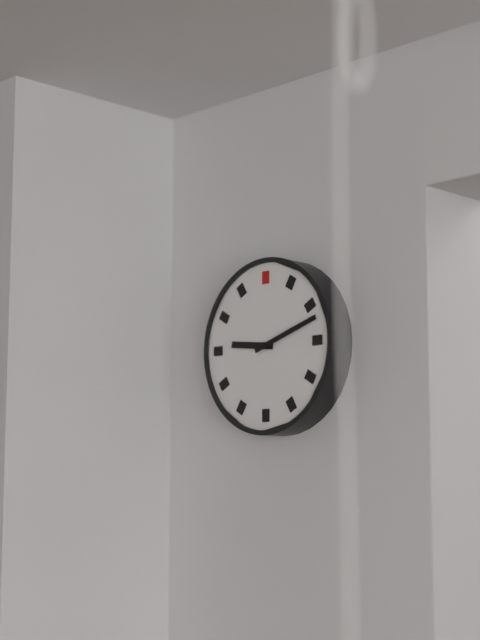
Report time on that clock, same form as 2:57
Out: 9:12
